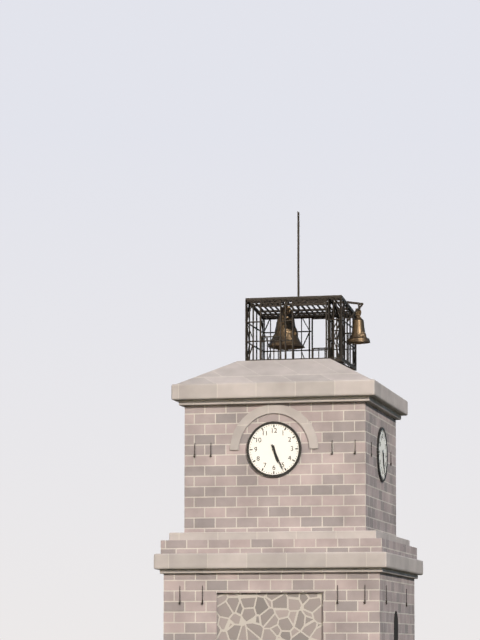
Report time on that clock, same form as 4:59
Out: 5:26
